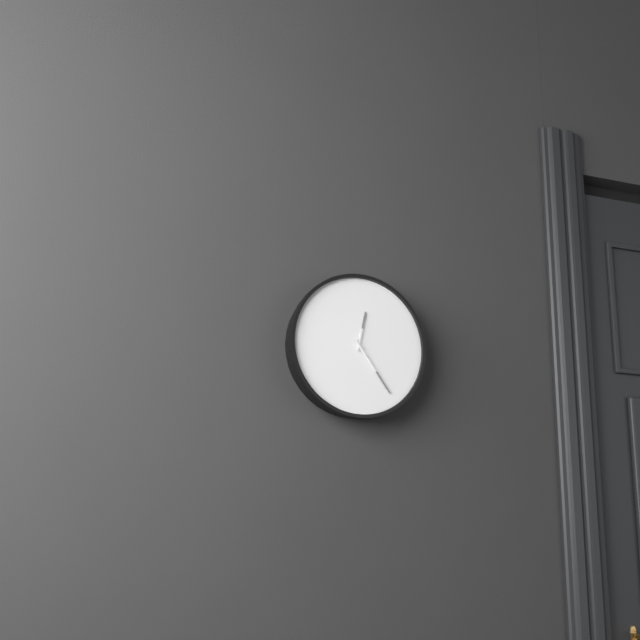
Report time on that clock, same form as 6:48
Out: 12:24
